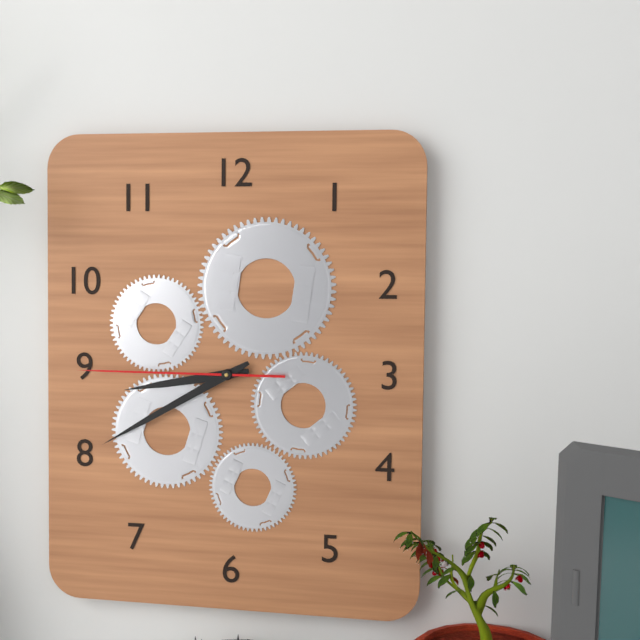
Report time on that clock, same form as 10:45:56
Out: 8:40:45
